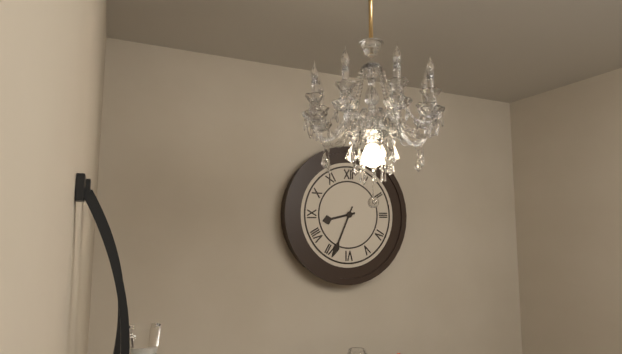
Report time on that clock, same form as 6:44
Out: 8:34
